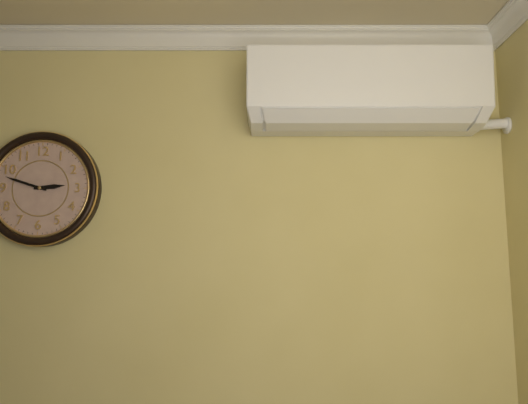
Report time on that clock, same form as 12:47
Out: 2:48
